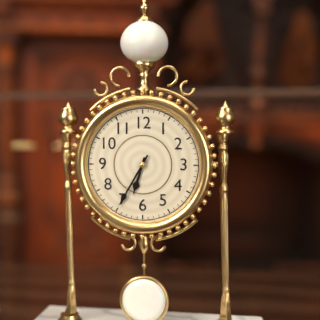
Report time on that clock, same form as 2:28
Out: 6:35
